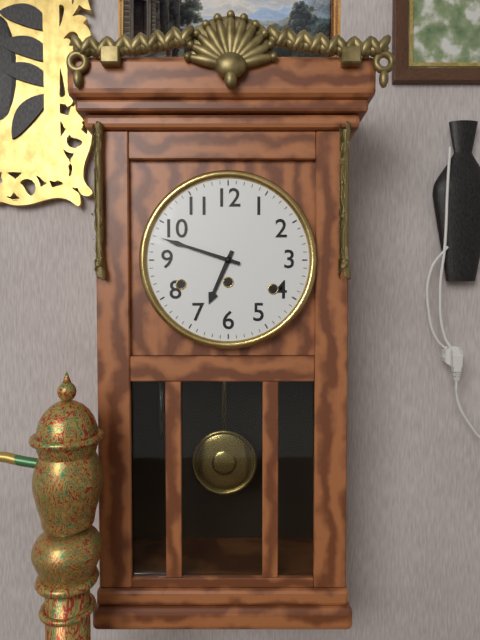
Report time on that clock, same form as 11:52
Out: 6:48
